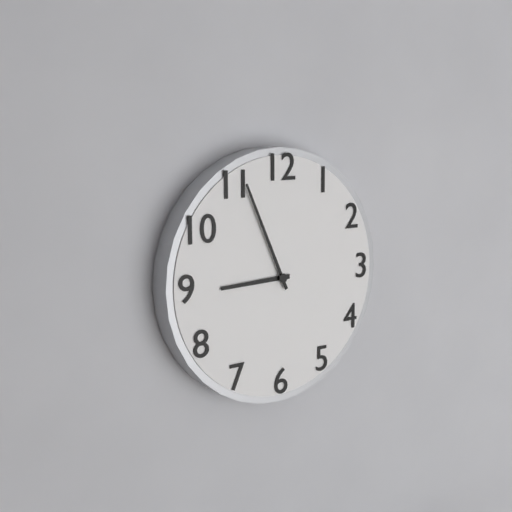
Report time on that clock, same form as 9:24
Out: 8:56
